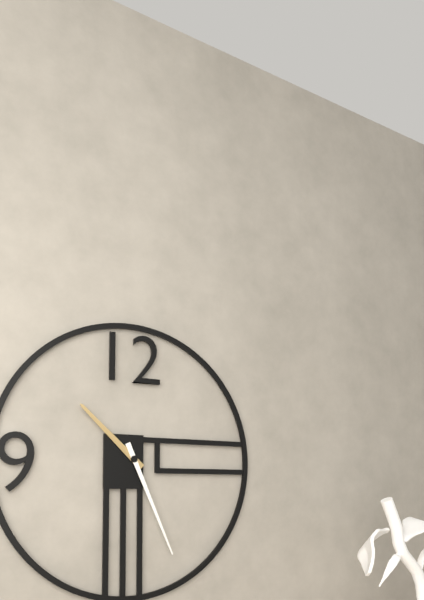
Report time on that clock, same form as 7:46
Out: 10:26
